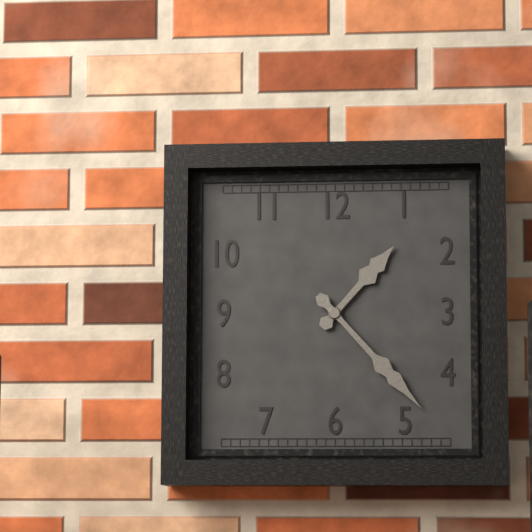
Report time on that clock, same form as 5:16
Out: 1:23
